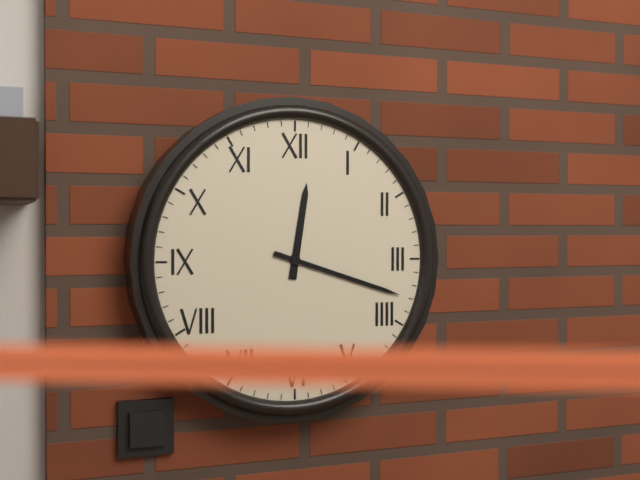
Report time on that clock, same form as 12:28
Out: 12:18
